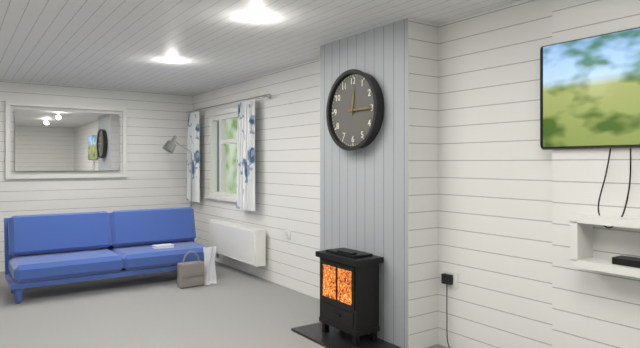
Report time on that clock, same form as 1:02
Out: 12:15
